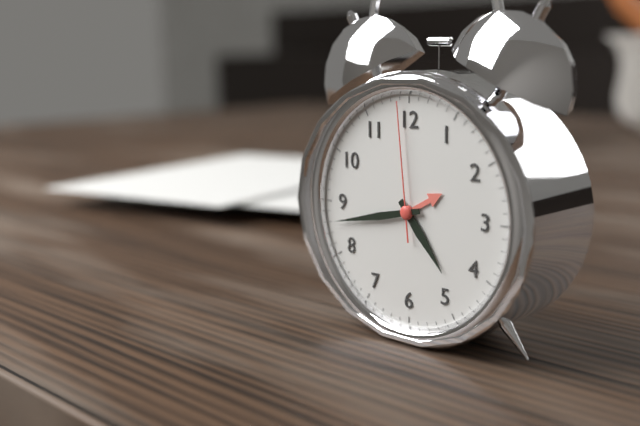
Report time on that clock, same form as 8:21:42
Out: 4:43:59
